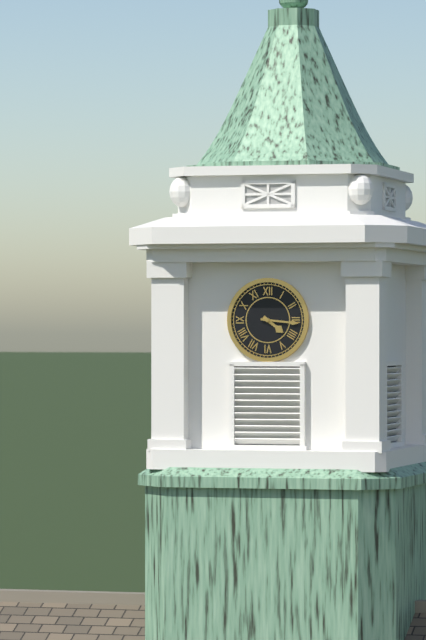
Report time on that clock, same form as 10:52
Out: 4:16
